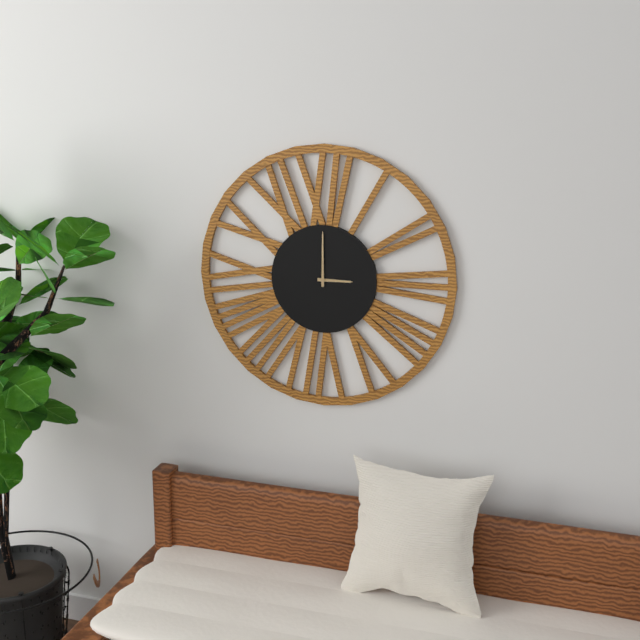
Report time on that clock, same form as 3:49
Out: 3:00
